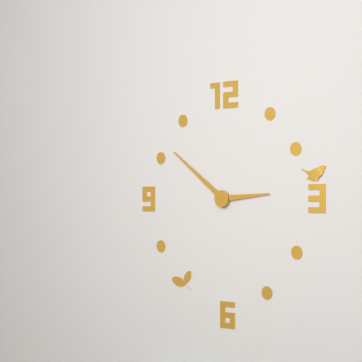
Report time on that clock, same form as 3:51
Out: 2:51
